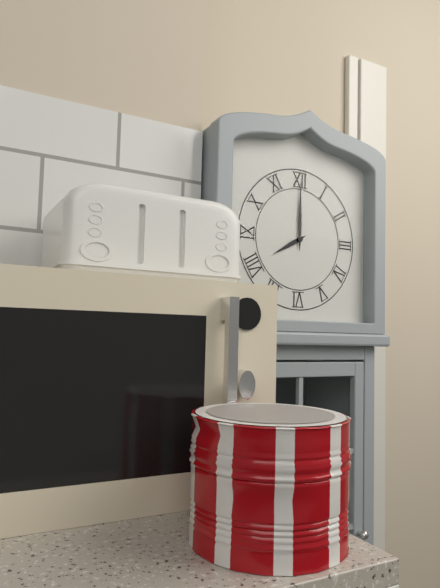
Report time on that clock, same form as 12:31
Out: 8:00
